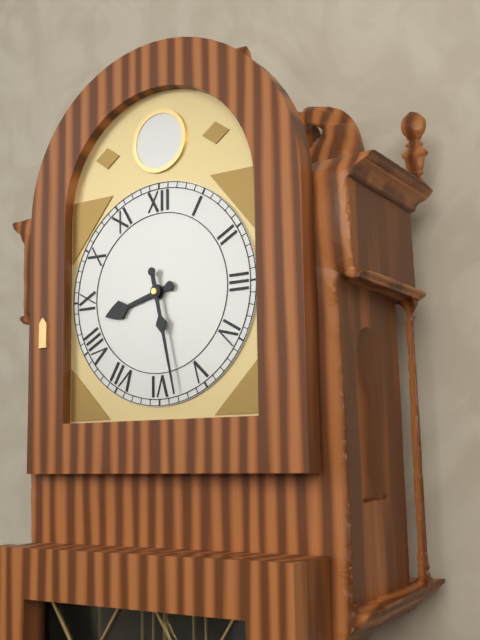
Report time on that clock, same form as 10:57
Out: 8:28
